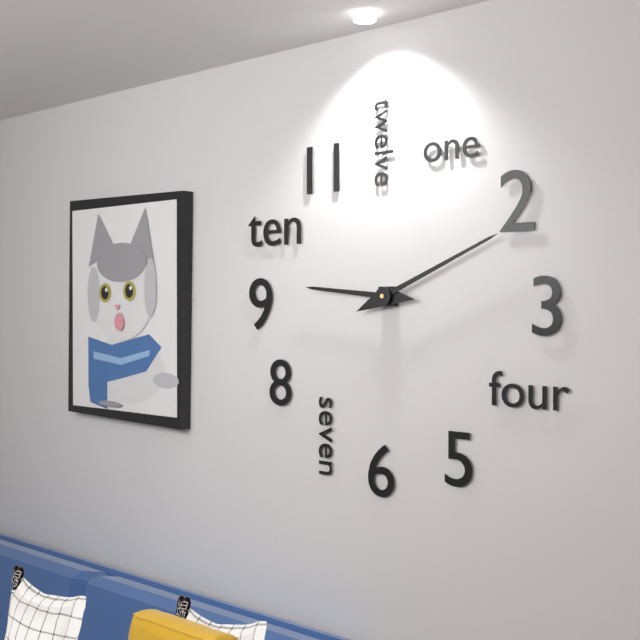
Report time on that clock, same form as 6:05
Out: 9:11
